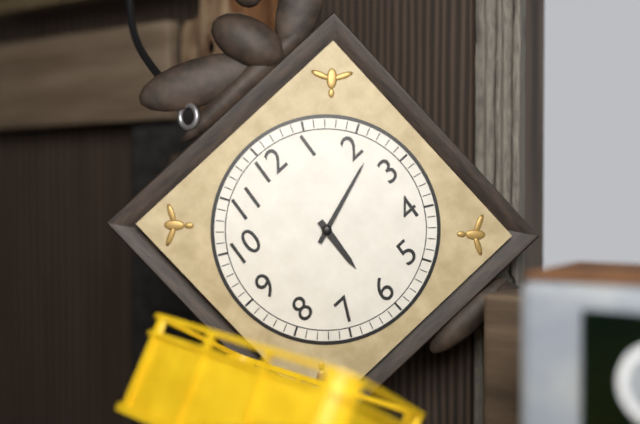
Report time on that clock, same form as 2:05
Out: 6:12
